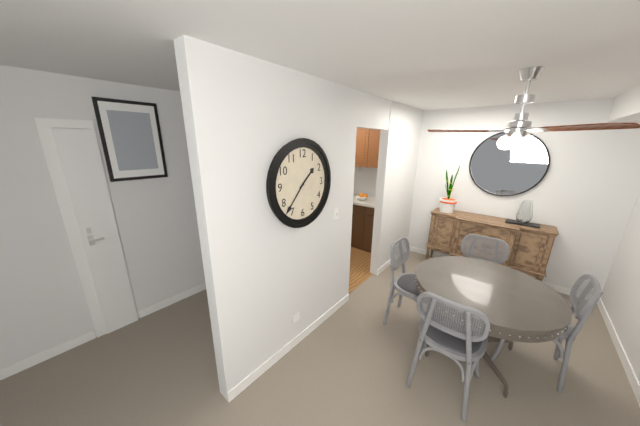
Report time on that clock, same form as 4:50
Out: 1:37
